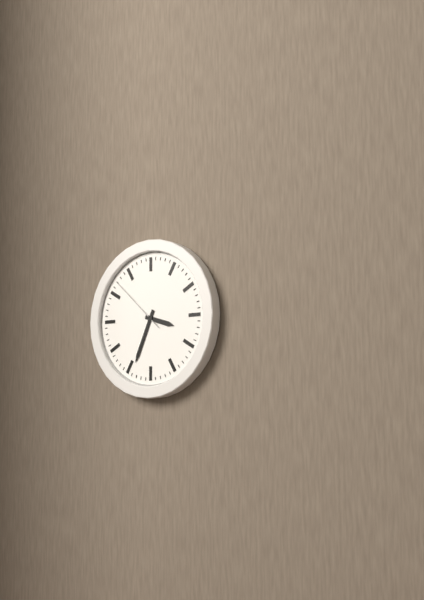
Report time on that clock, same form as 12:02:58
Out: 3:34:52
